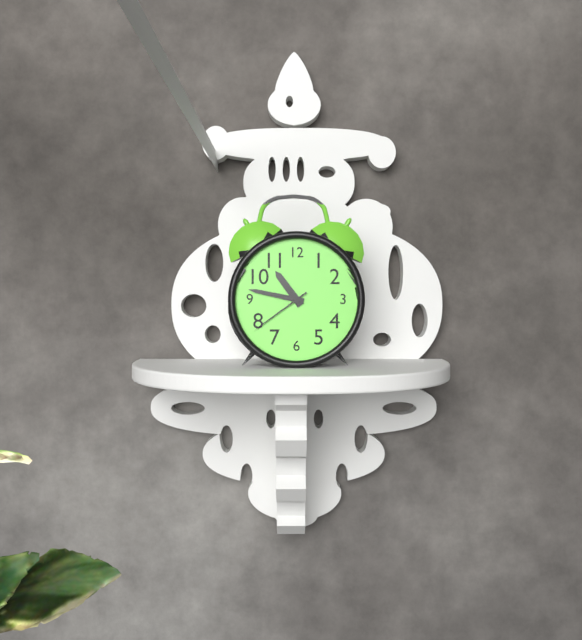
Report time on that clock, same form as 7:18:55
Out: 10:47:39
